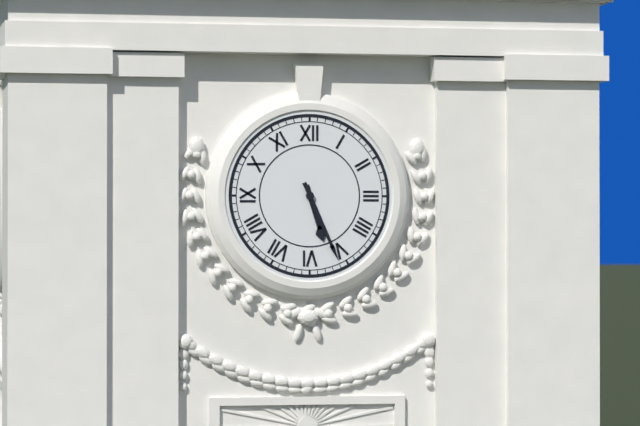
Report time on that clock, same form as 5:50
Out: 5:26
